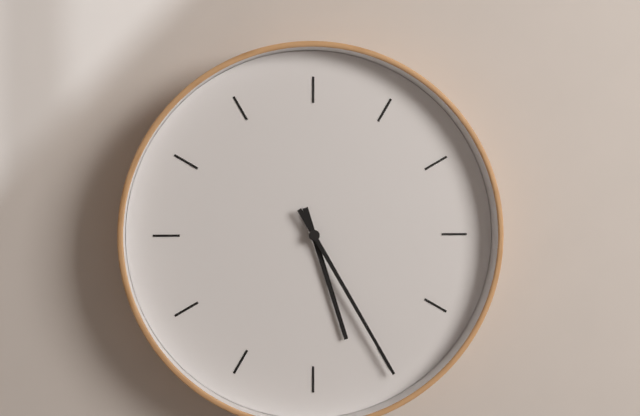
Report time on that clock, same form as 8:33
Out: 5:25
